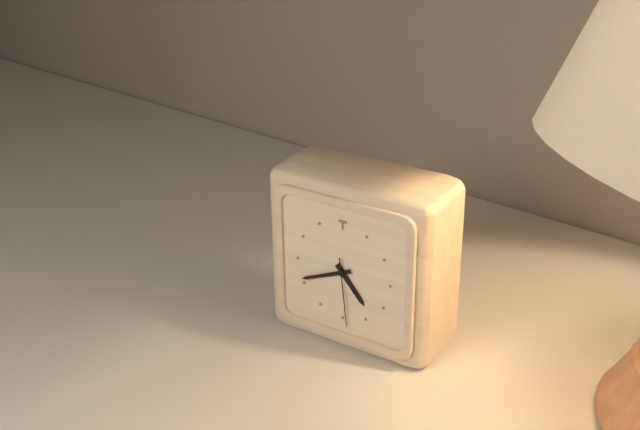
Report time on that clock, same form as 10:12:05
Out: 4:41:29
